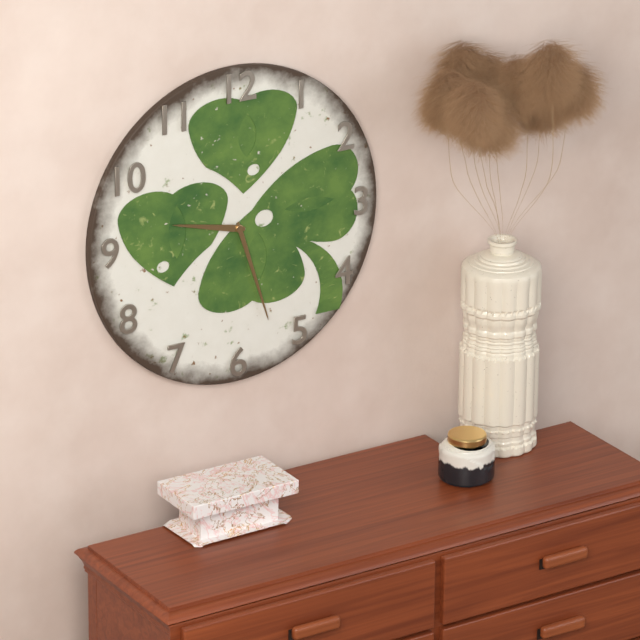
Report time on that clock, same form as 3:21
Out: 9:27
